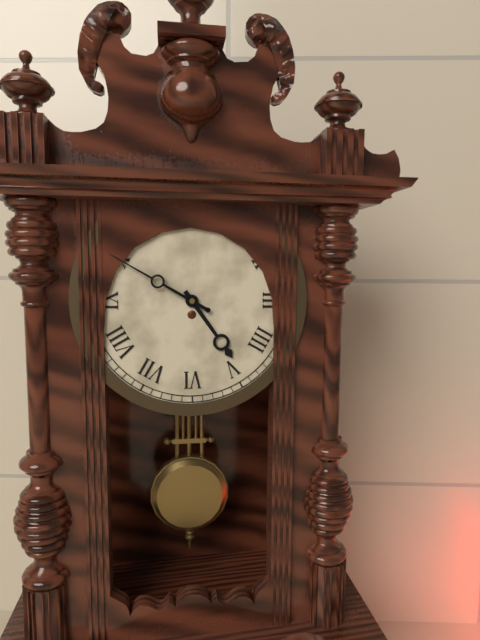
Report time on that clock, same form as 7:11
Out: 4:50
